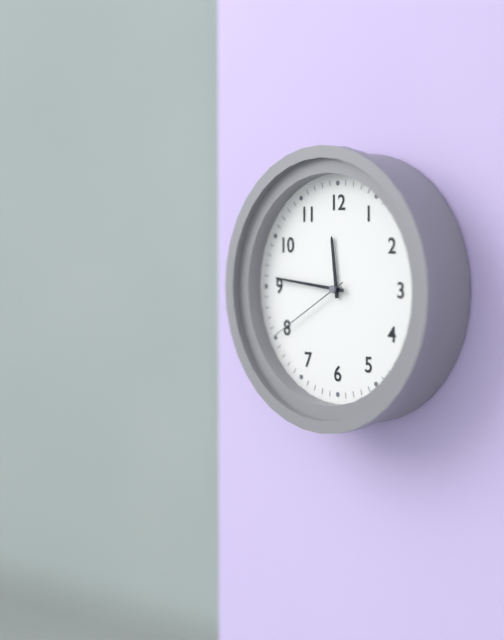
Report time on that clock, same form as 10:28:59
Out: 11:46:40
